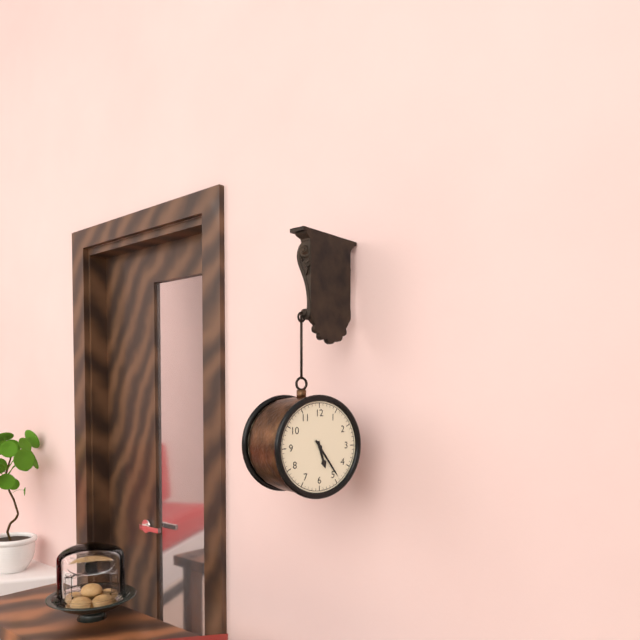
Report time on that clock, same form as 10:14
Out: 5:24
